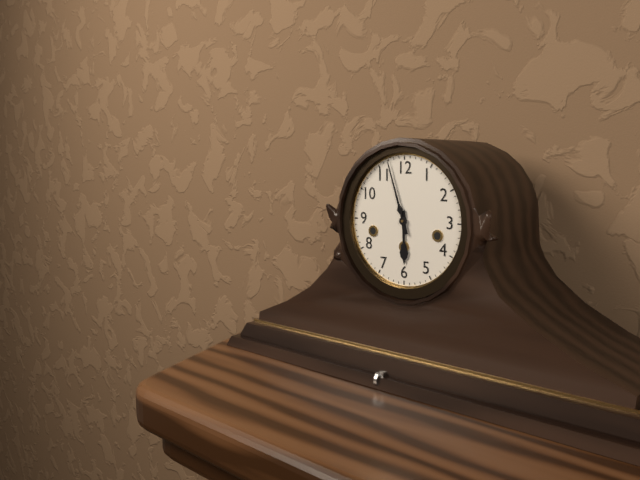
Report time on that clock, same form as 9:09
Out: 5:57
